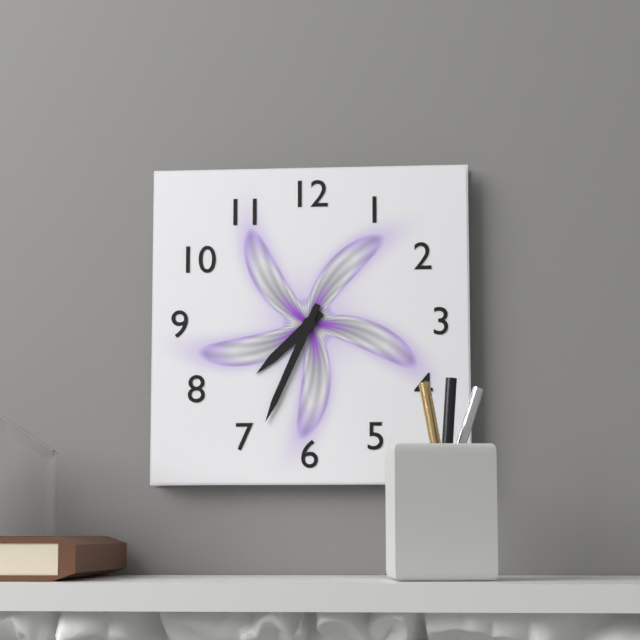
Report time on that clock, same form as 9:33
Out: 7:34
